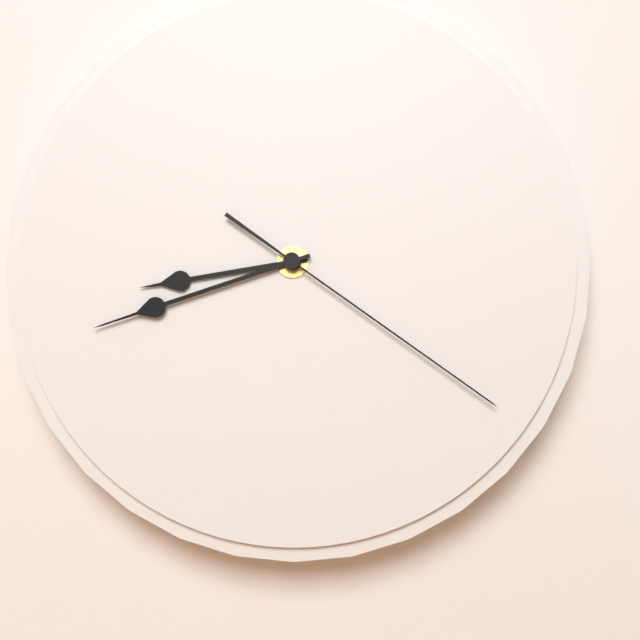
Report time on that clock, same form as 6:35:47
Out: 8:42:21
